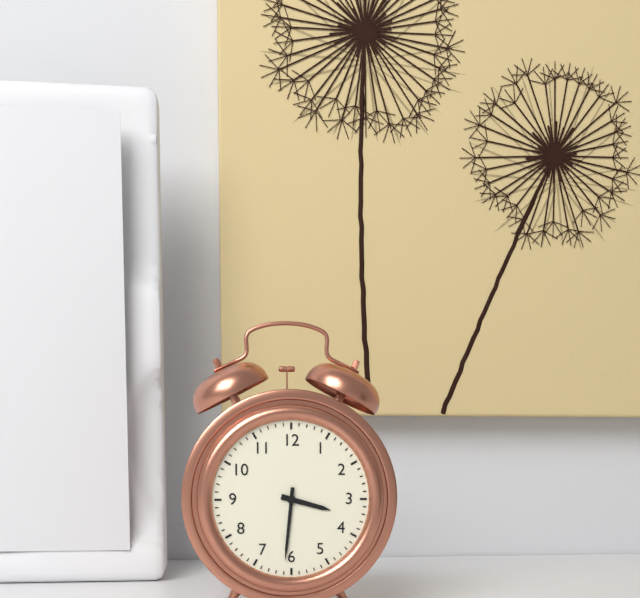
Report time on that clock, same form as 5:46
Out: 3:31
